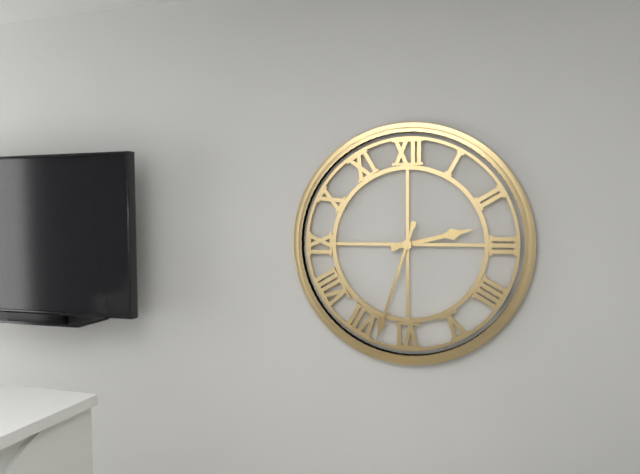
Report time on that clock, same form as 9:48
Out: 2:33
